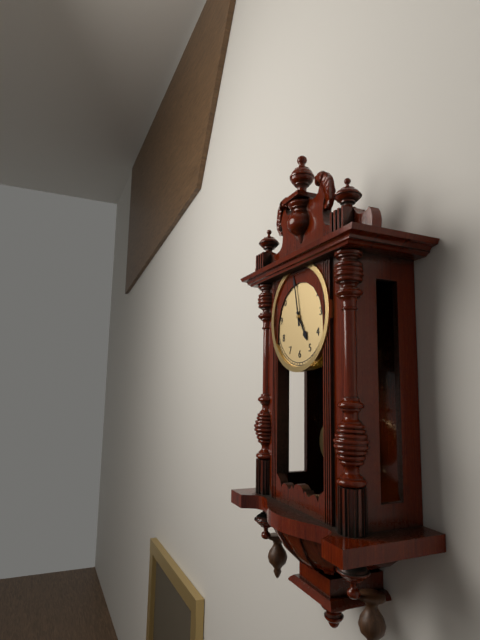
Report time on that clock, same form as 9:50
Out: 4:58
